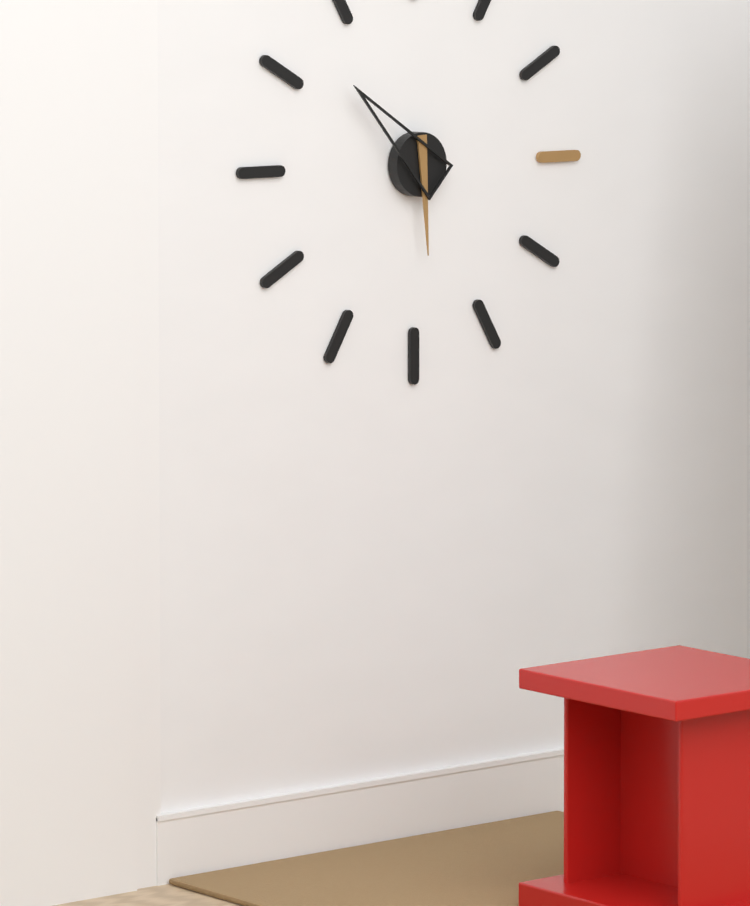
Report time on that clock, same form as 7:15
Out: 5:52
